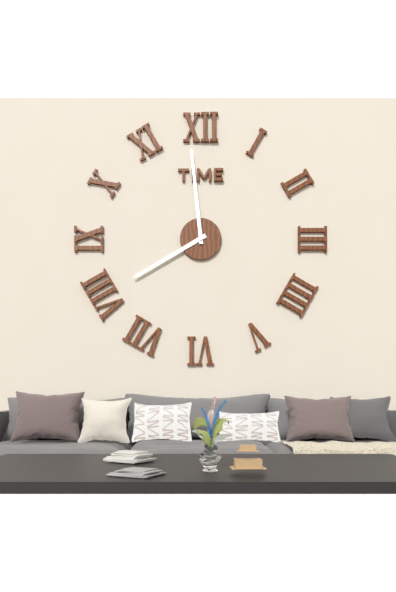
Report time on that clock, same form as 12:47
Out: 7:59
